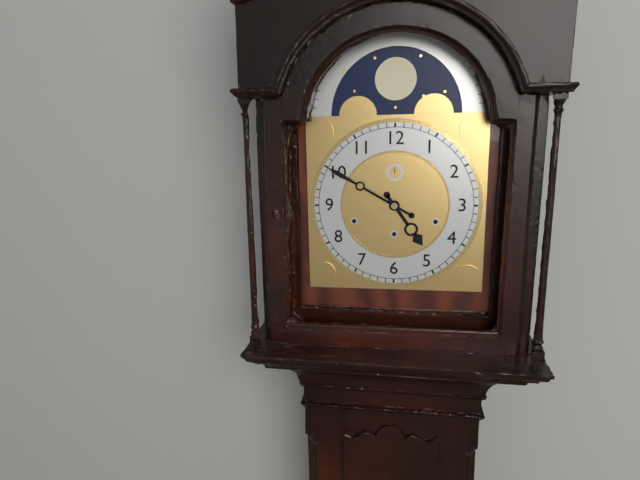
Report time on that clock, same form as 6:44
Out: 4:50
